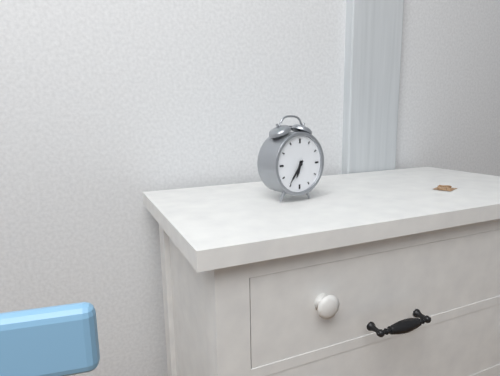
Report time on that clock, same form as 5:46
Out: 6:36
